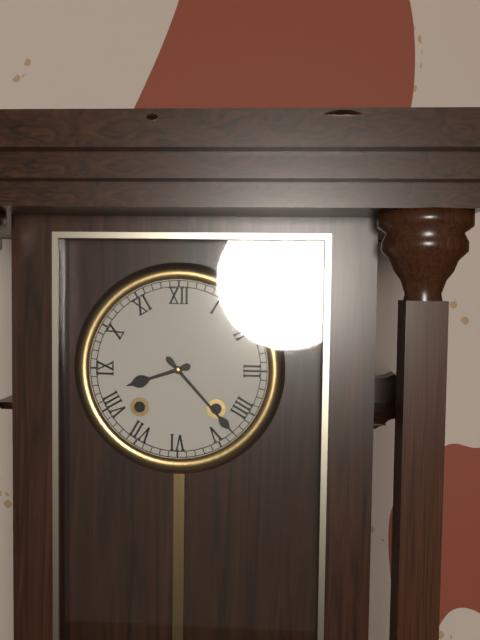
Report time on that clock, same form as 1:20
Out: 8:23
